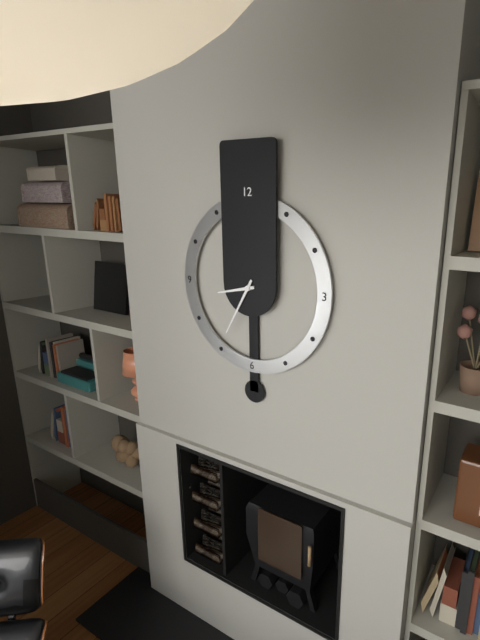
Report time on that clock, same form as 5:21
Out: 8:35
